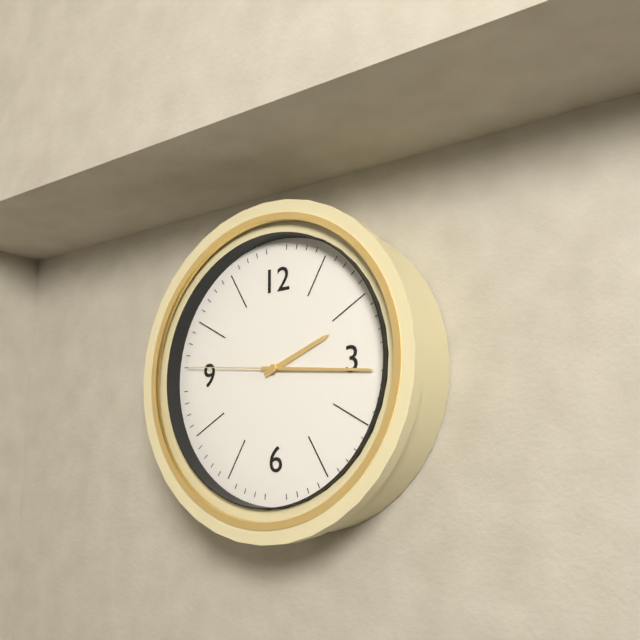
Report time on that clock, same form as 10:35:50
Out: 2:16:46
